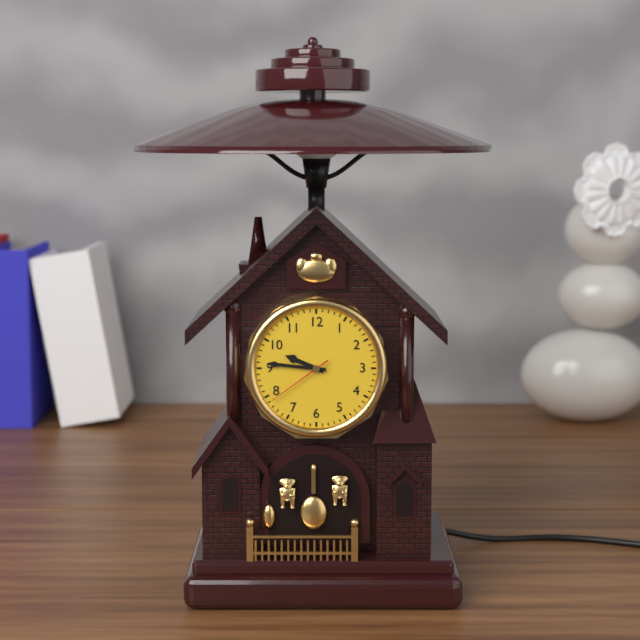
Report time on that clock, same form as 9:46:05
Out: 9:46:39
